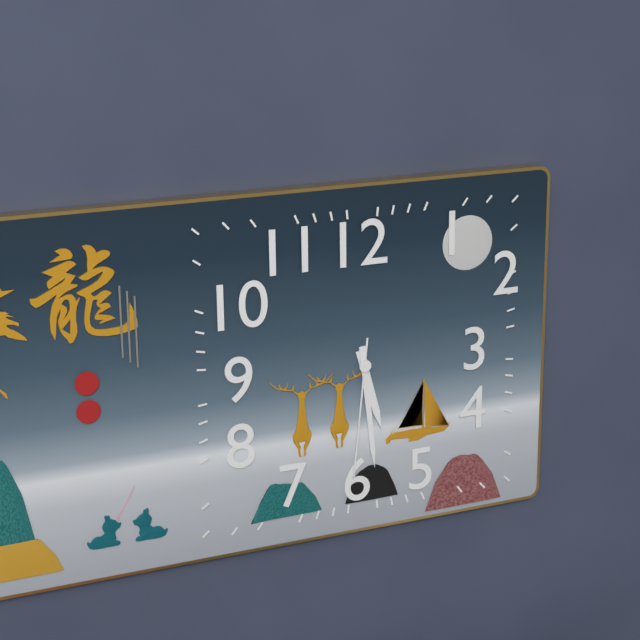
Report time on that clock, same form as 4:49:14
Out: 5:29:31
